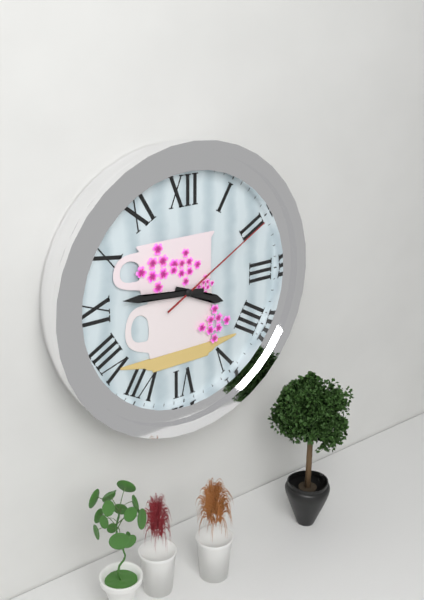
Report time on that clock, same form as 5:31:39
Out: 3:46:10
